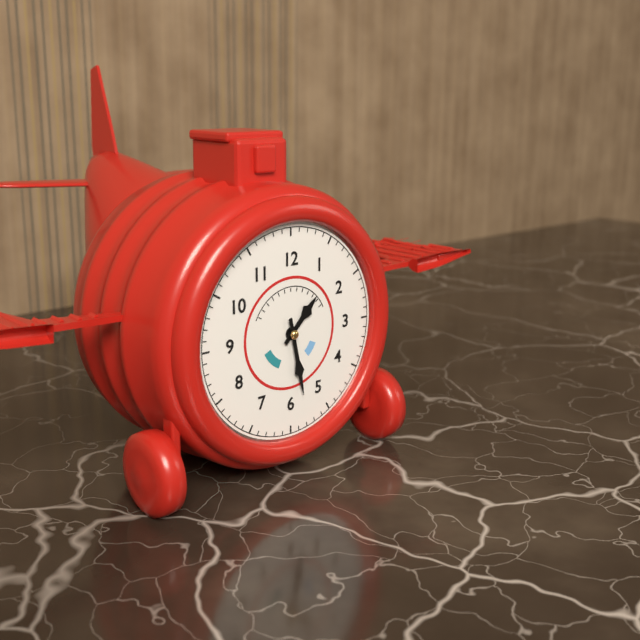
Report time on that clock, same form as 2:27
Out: 1:28
